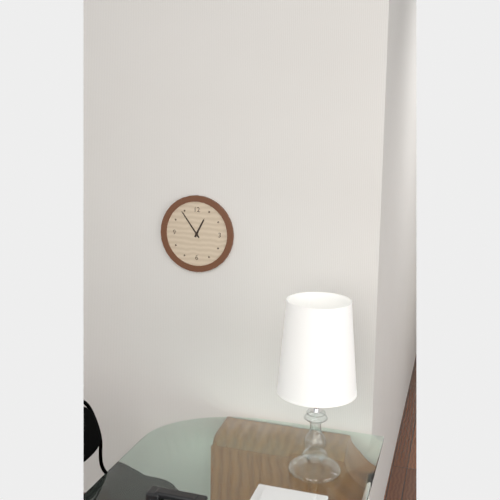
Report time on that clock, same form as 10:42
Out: 12:54
